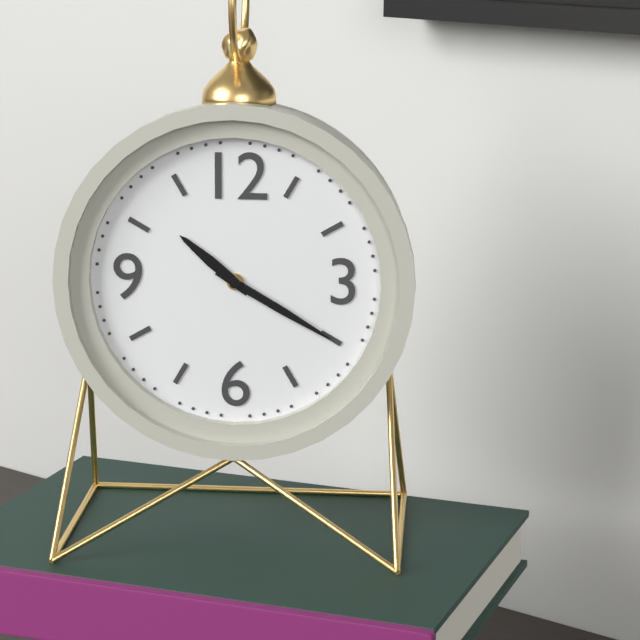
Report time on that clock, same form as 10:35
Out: 10:20
